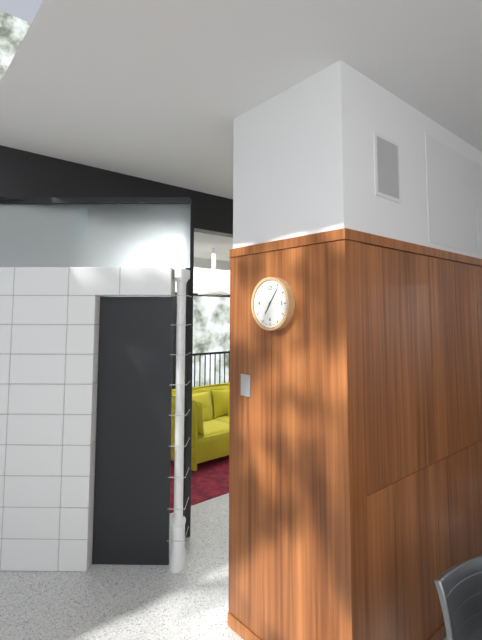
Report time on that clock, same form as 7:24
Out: 7:06
